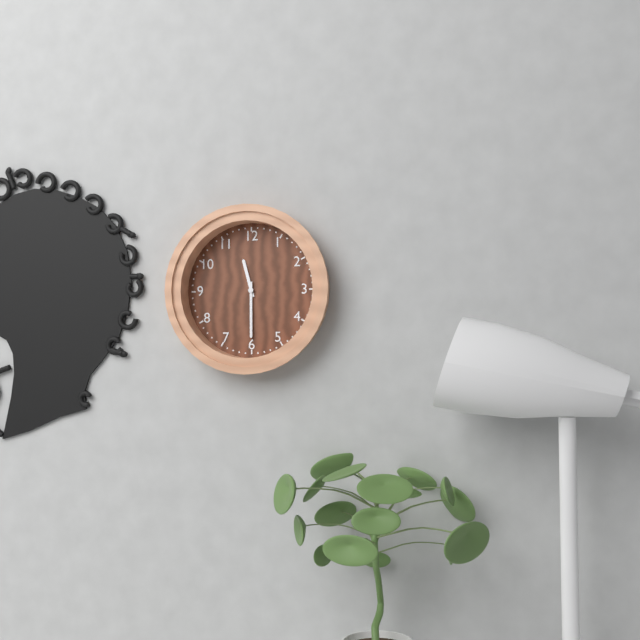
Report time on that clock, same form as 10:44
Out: 11:30
